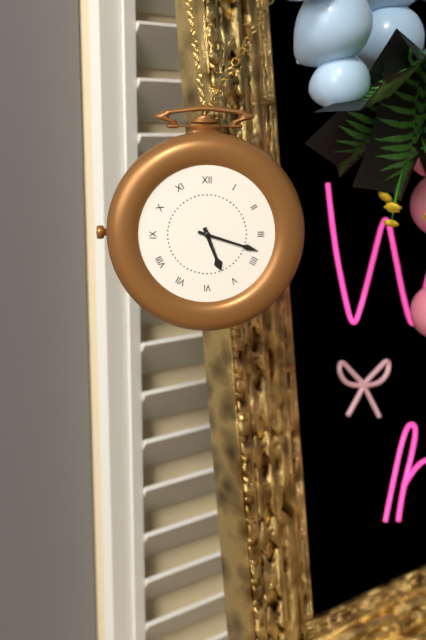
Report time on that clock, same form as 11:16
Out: 5:18
